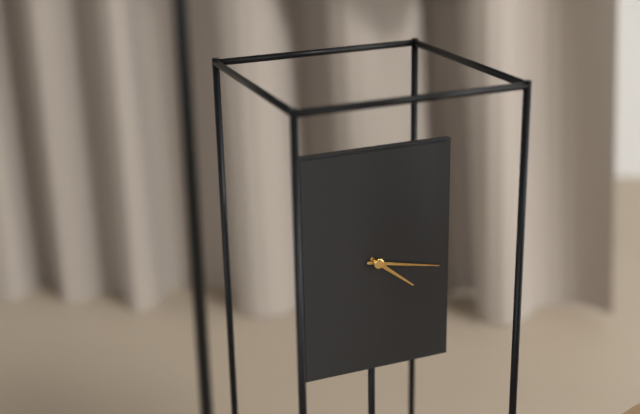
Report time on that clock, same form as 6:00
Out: 4:17
